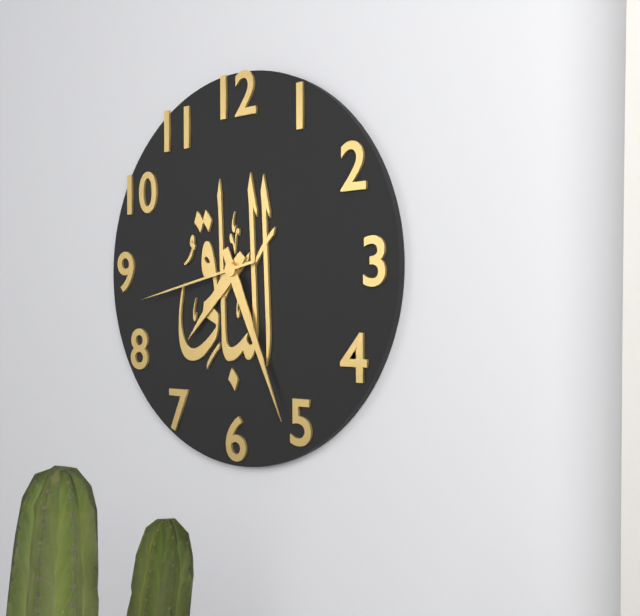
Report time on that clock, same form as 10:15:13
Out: 7:26:43
